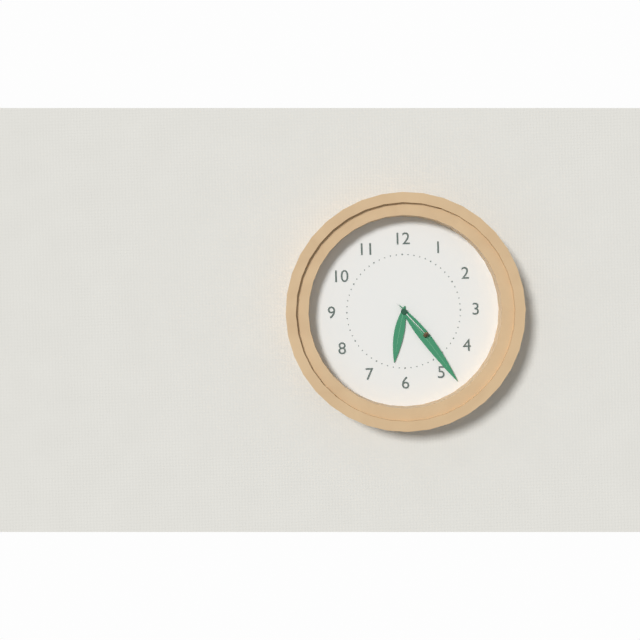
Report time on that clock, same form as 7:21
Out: 6:24
